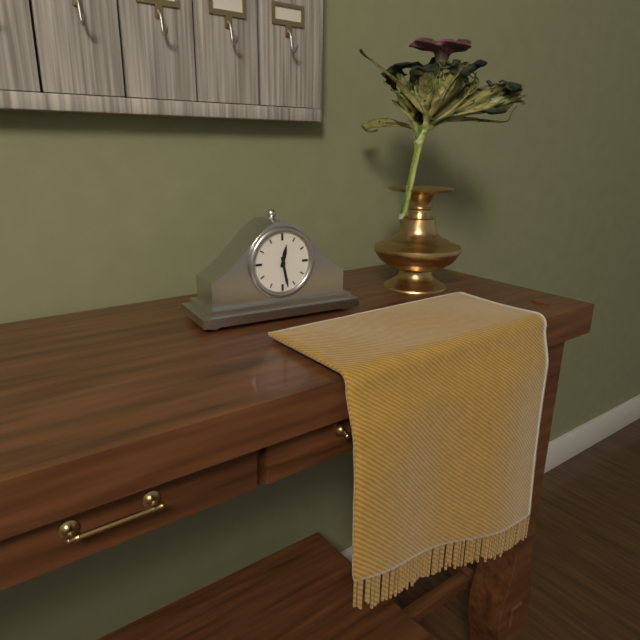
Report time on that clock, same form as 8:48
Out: 12:28
